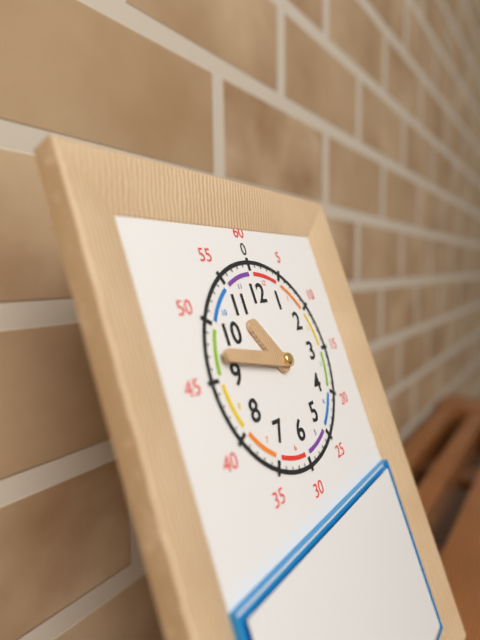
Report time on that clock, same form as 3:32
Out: 10:47
